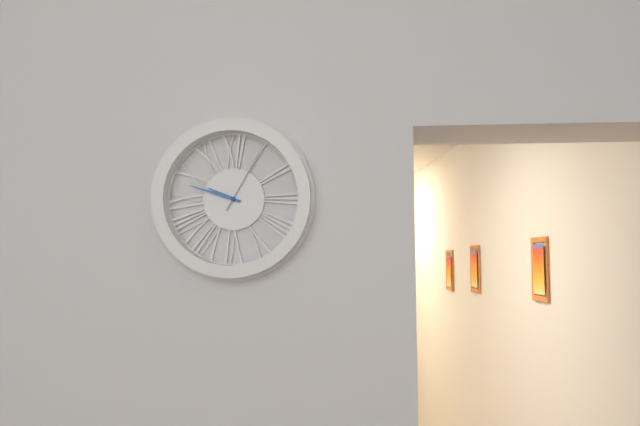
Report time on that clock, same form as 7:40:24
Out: 9:48:05
